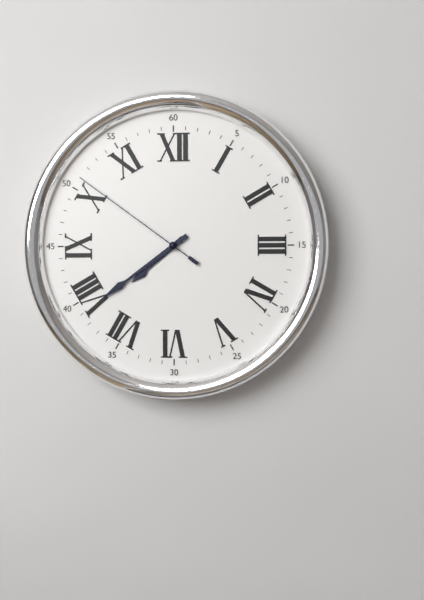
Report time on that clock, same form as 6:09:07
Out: 7:39:51
